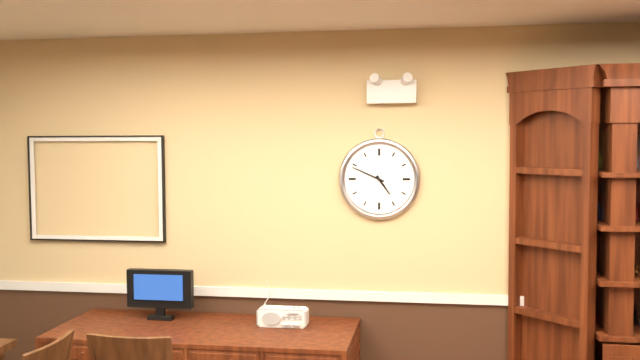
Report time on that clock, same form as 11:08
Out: 4:49
